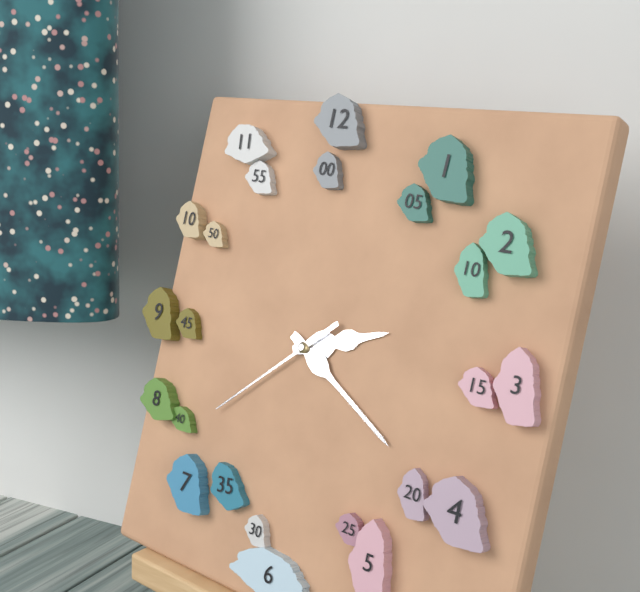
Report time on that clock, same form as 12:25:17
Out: 2:20:38
